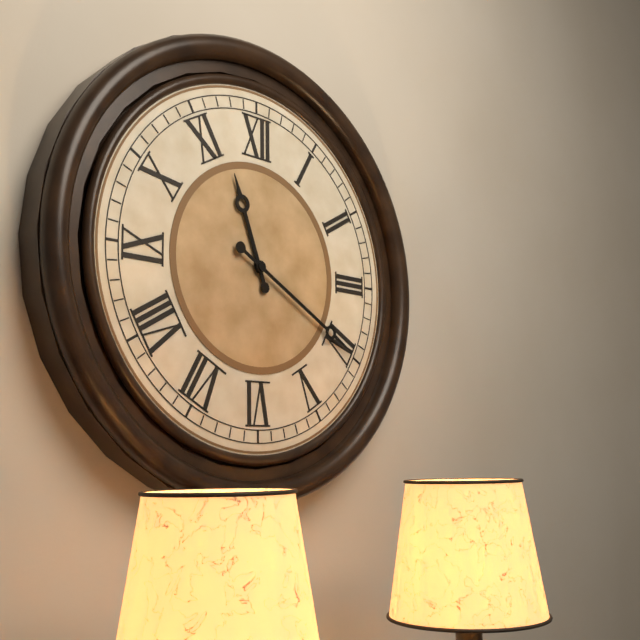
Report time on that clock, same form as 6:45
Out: 11:20
